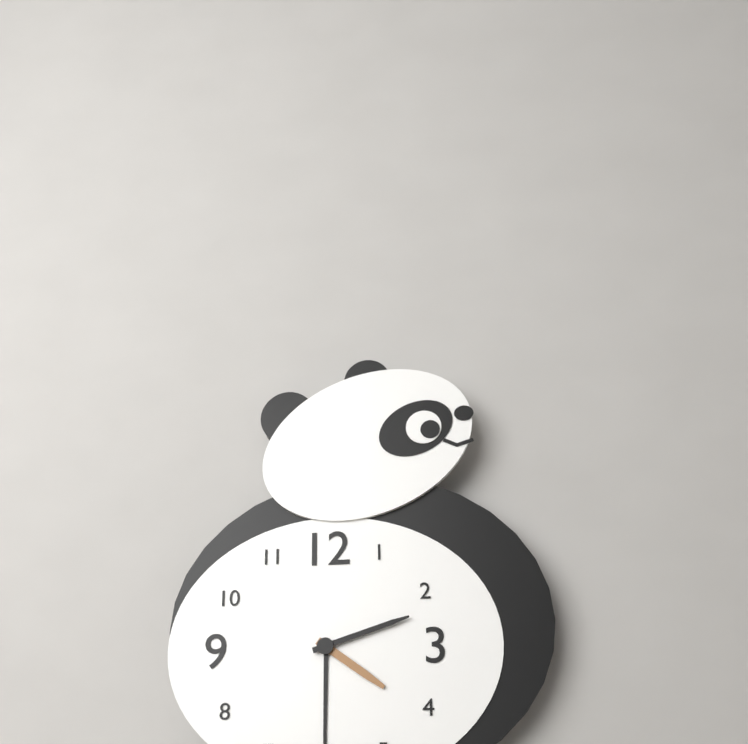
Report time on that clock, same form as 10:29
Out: 4:12
